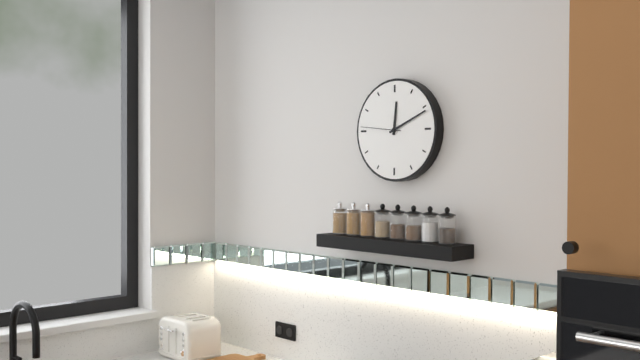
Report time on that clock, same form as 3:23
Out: 12:11
